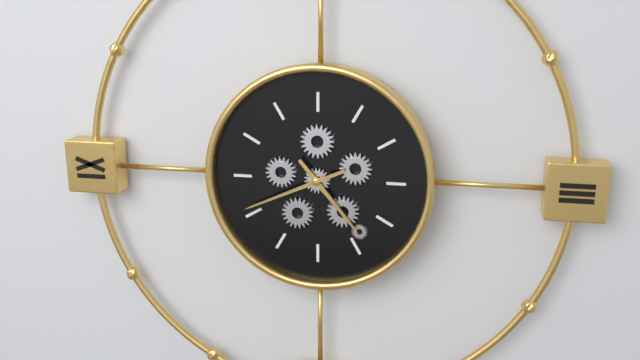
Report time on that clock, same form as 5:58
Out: 4:41
